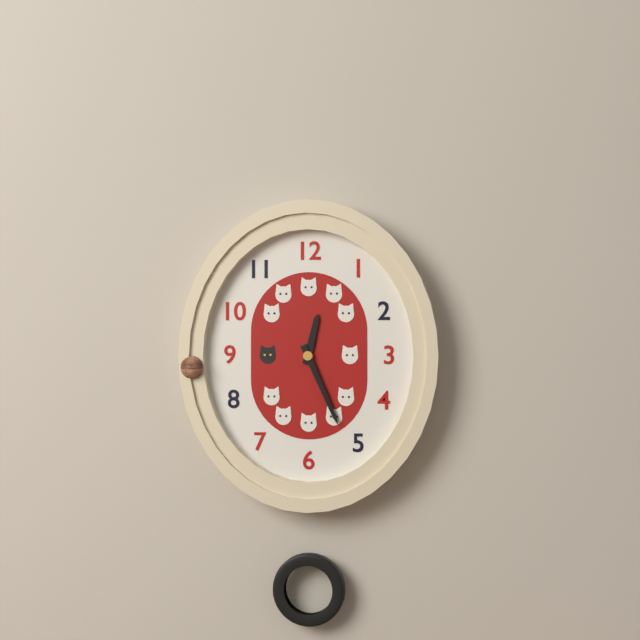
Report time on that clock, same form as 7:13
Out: 12:26
